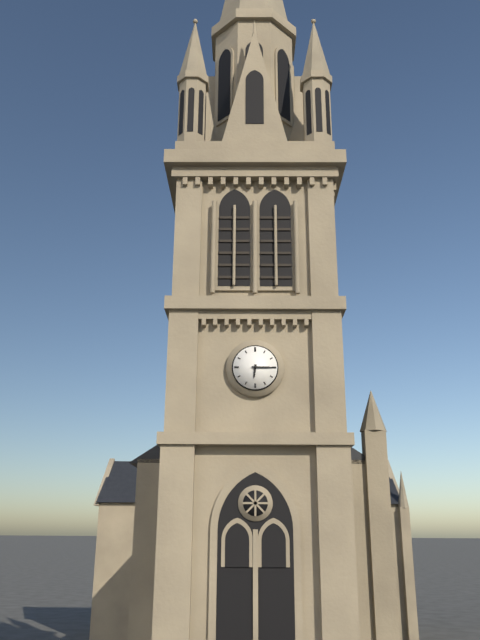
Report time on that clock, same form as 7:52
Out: 6:15
